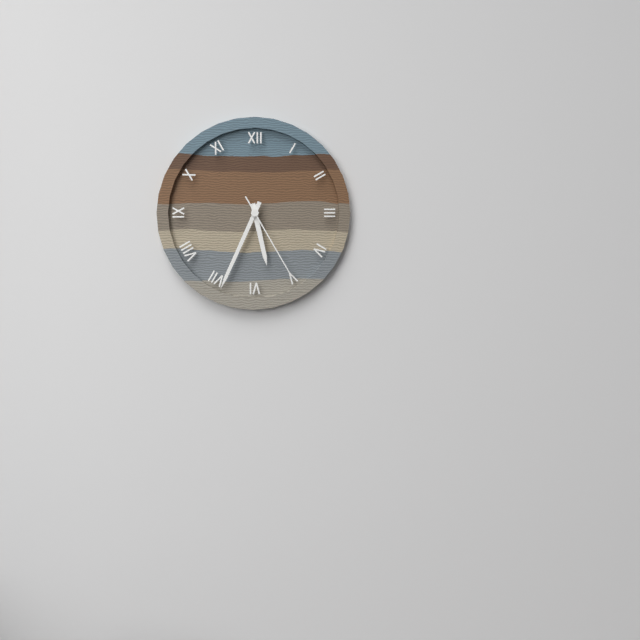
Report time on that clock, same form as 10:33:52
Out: 5:34:25
